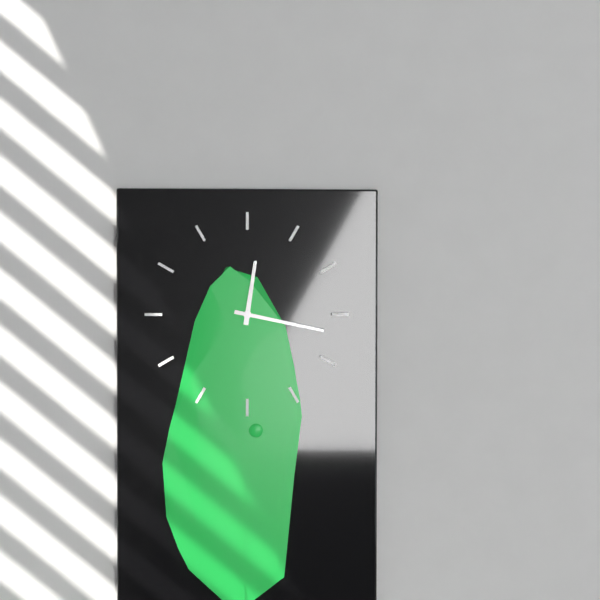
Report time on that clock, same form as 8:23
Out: 12:17
